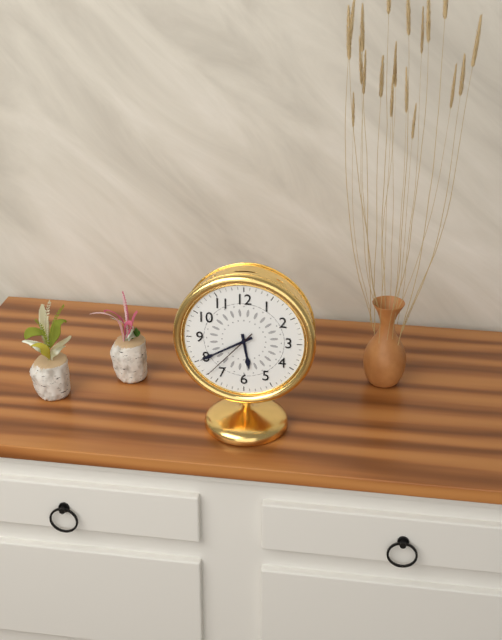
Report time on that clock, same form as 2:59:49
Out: 5:40:37
